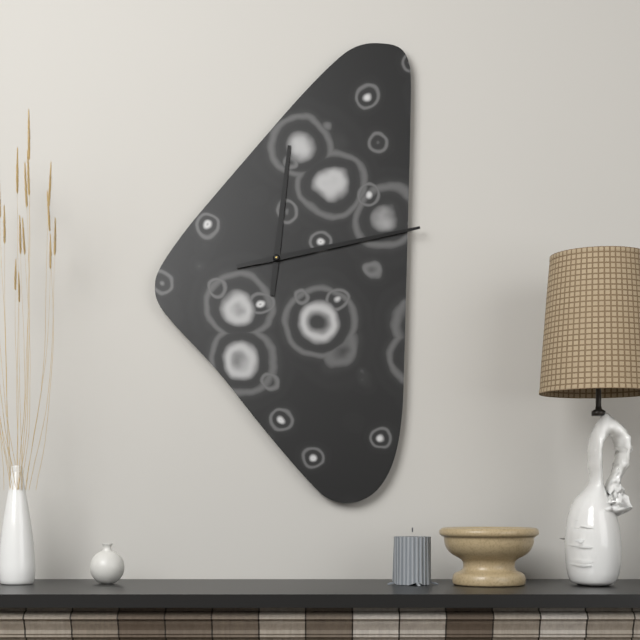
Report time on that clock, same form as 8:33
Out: 12:13
